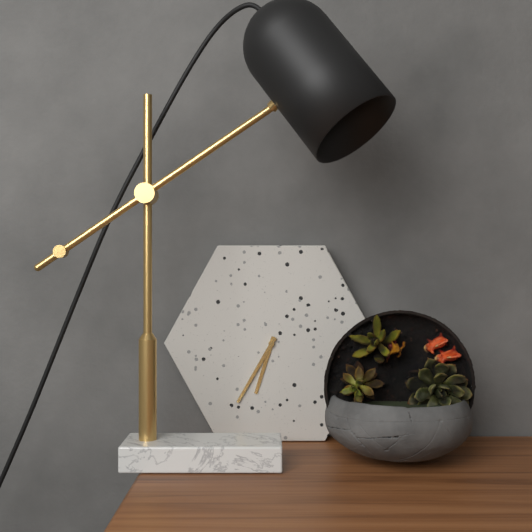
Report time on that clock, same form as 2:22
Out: 6:35
